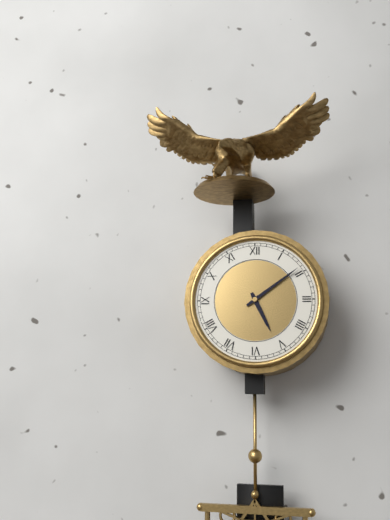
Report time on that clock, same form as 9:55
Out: 5:09
